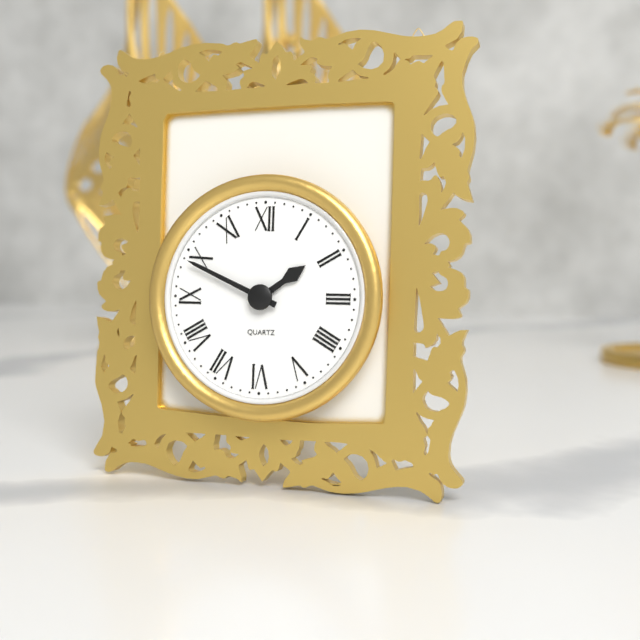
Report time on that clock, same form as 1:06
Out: 1:49
